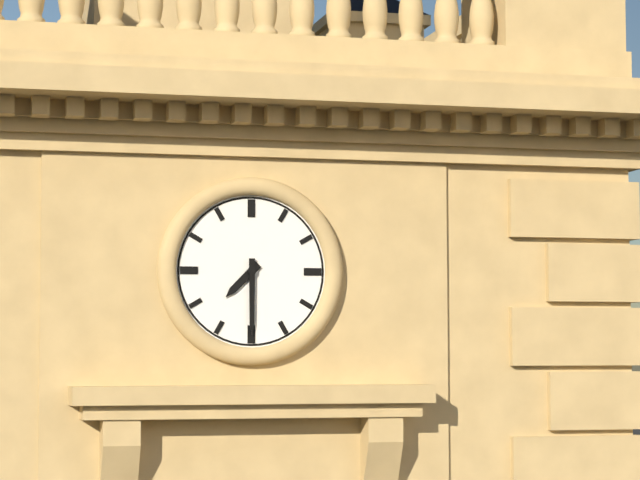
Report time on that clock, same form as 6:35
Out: 7:30
